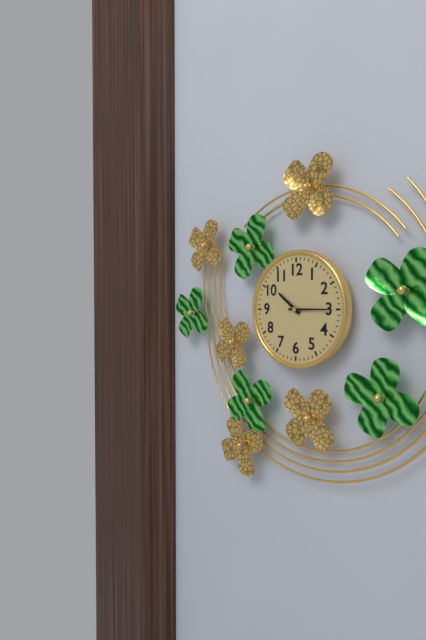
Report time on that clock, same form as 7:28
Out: 10:15
